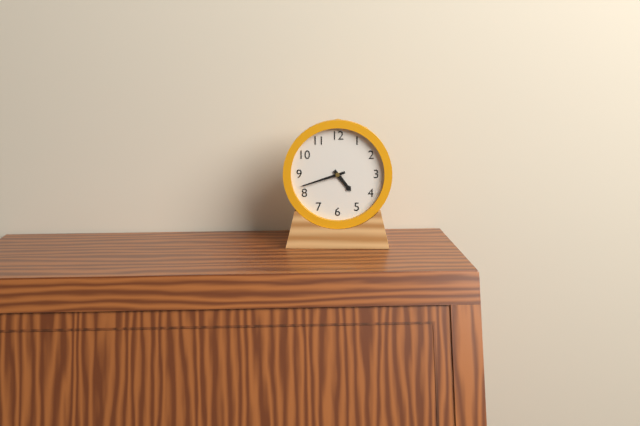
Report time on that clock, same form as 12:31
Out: 4:42
